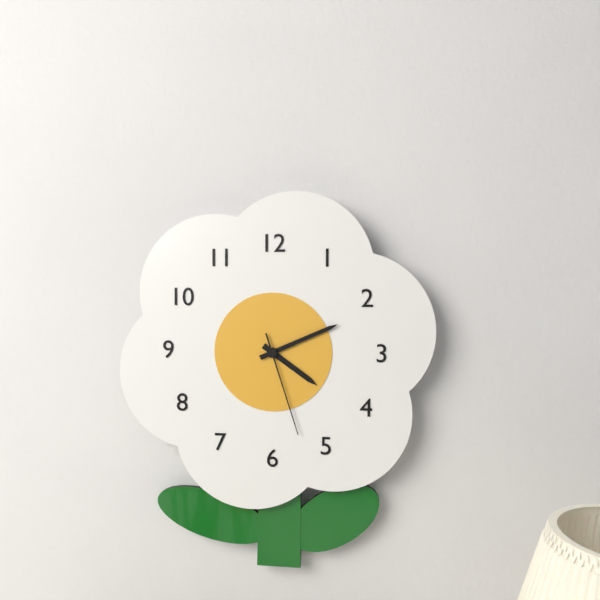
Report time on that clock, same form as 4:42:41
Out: 4:11:27
